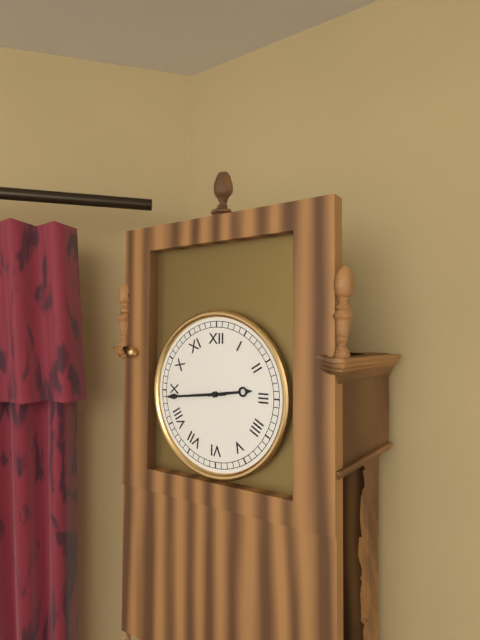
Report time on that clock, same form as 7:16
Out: 2:44
